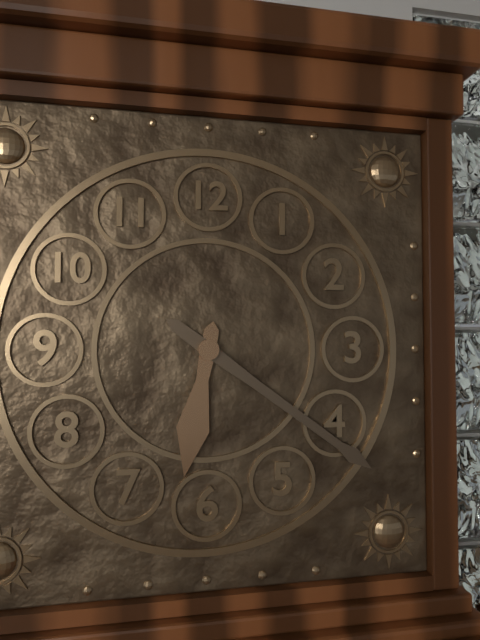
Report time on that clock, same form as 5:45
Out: 6:21
